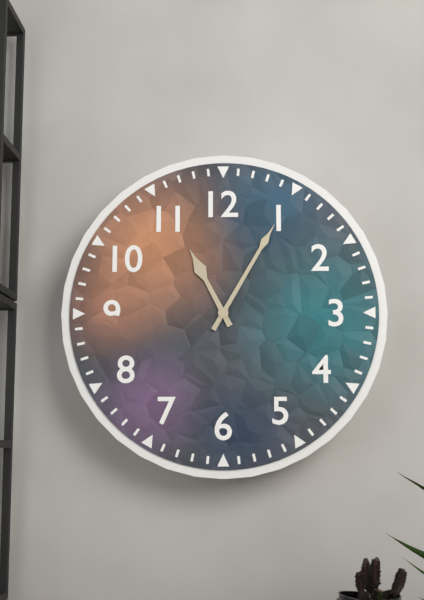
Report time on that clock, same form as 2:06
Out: 11:05
